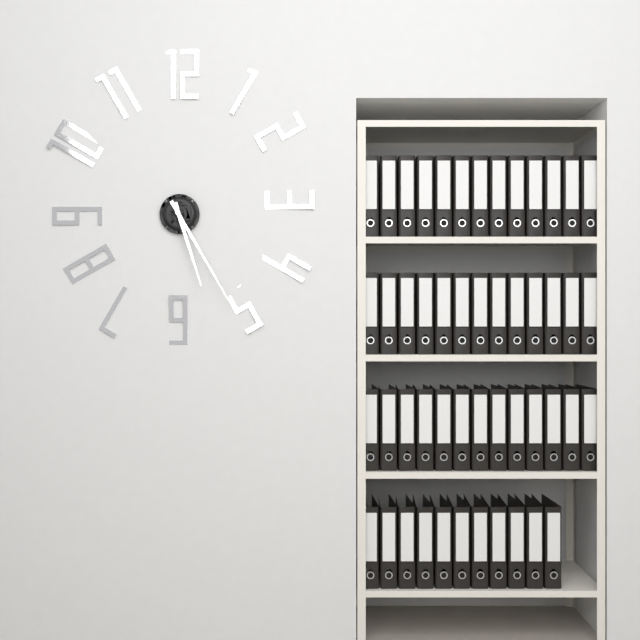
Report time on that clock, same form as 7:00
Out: 5:25
